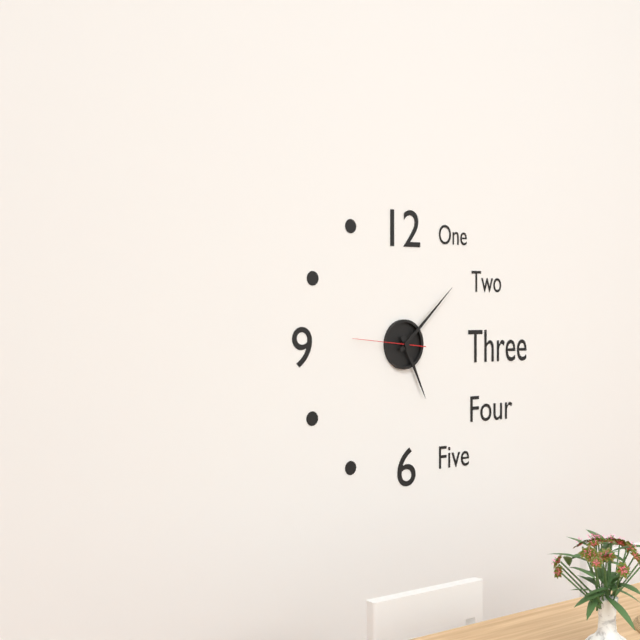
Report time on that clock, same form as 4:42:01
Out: 5:08:46
